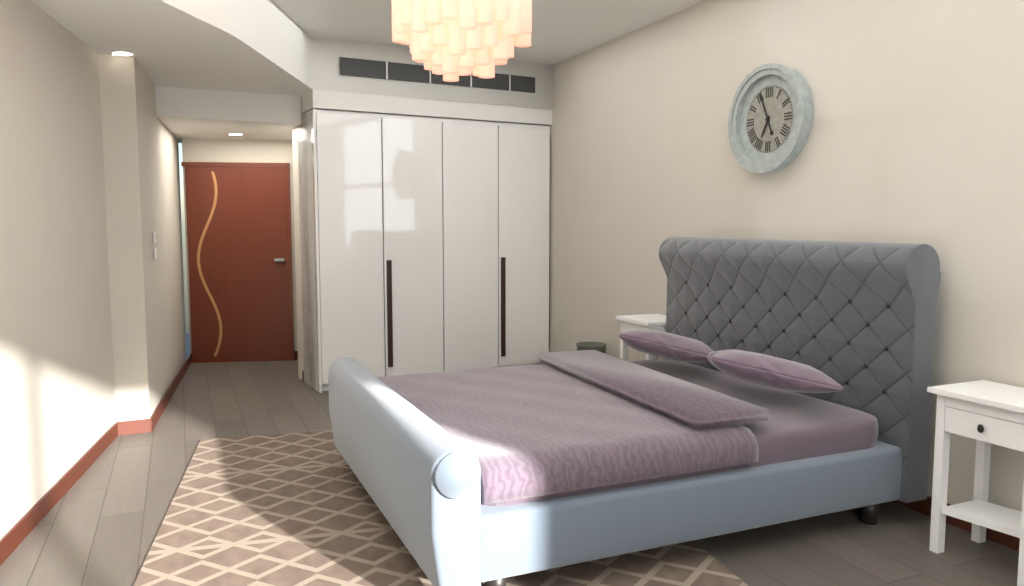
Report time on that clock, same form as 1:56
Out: 6:56
